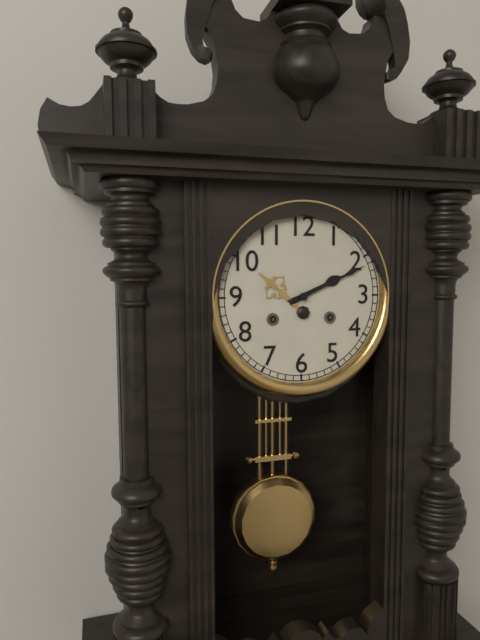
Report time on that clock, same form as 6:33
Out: 2:11
